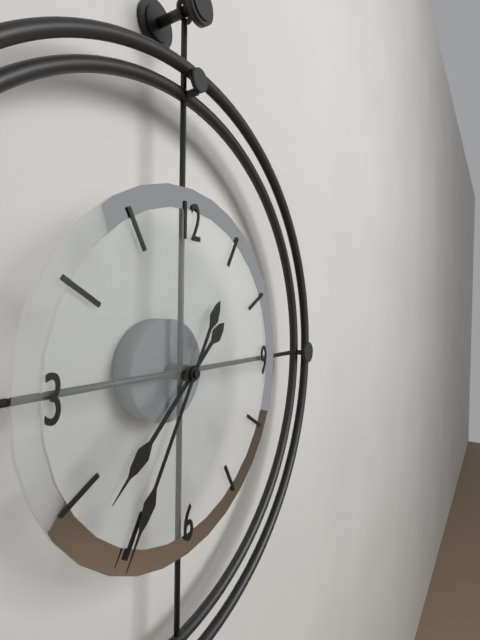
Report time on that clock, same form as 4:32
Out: 7:35
